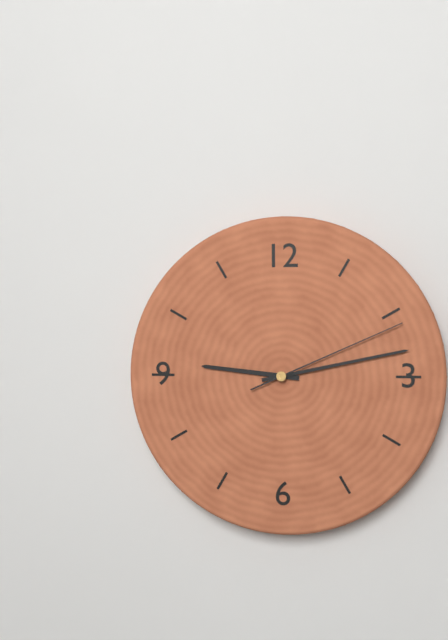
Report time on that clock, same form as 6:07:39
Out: 9:13:11
